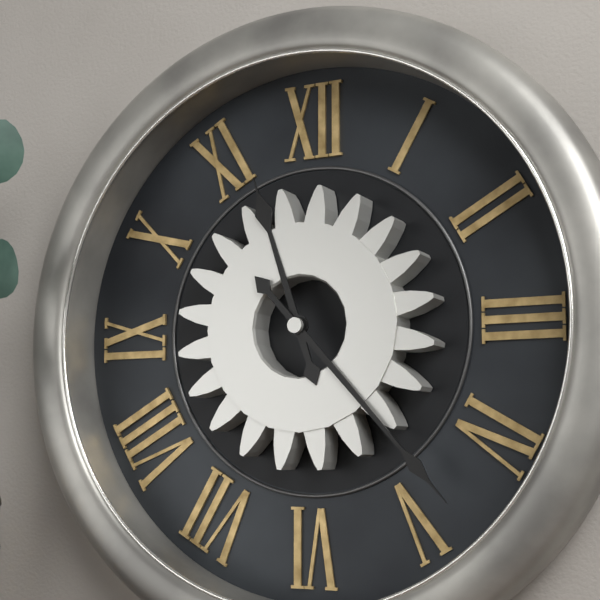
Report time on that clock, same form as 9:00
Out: 11:23
